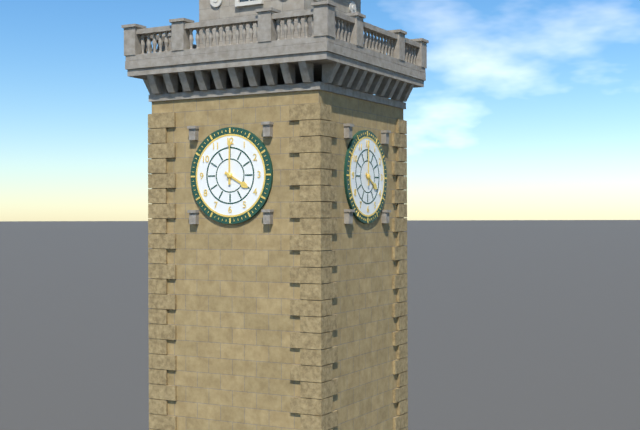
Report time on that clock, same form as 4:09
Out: 4:00
